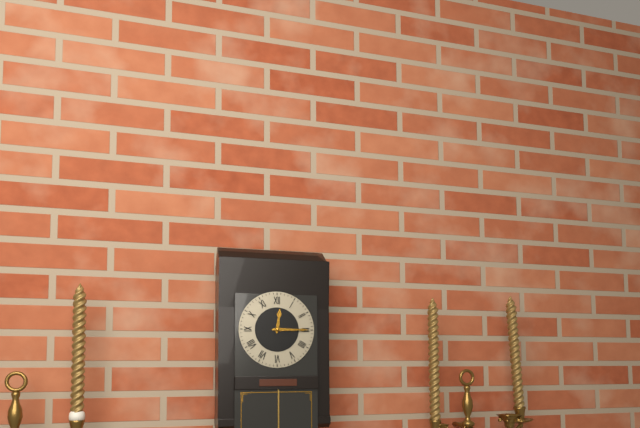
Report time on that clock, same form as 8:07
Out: 12:15
